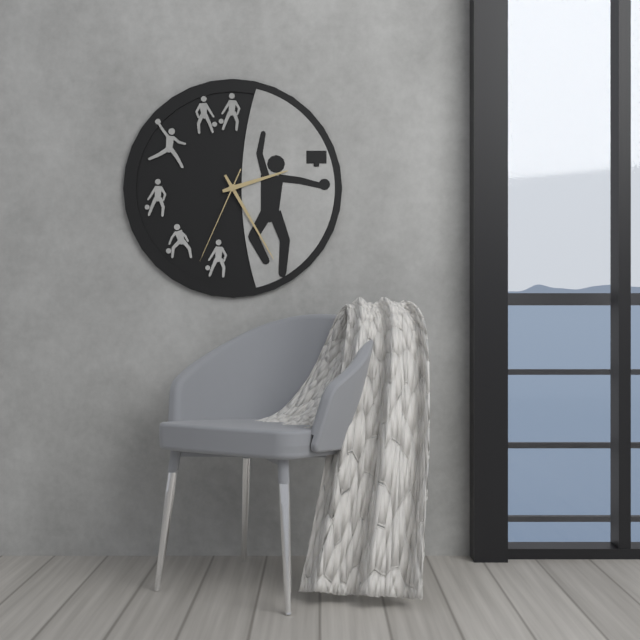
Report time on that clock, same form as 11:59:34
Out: 2:25:34
